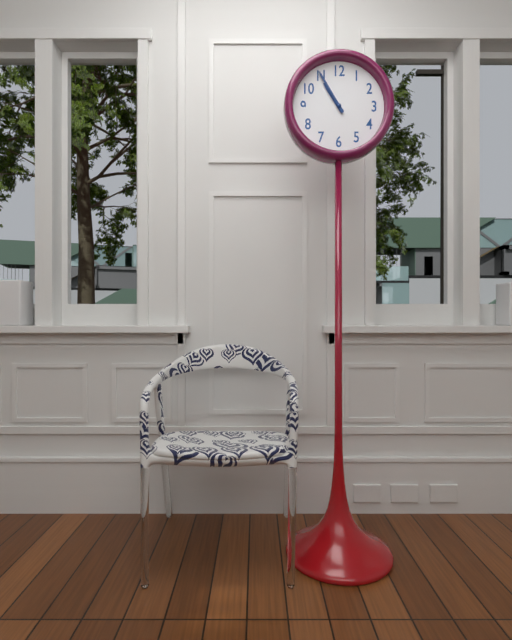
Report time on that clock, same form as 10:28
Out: 10:55
